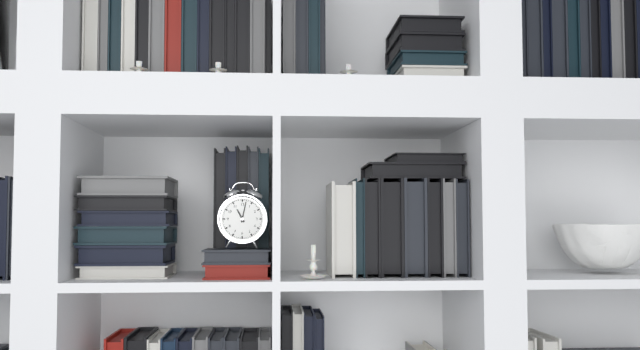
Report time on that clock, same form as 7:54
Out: 11:02
